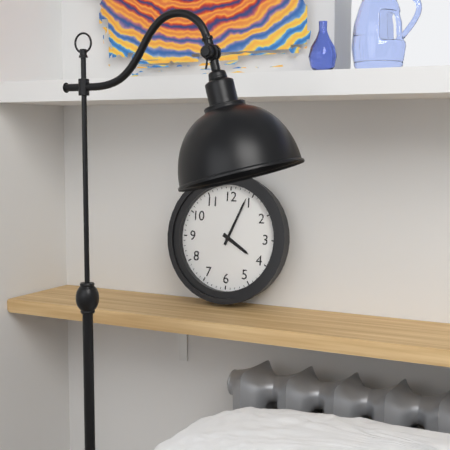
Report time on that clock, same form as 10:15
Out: 4:04
